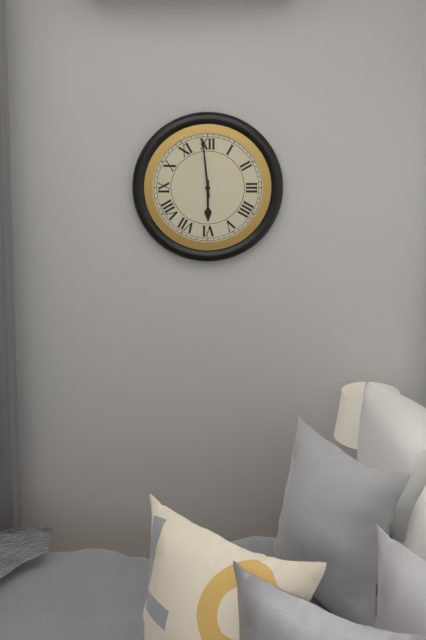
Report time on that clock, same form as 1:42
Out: 5:59
